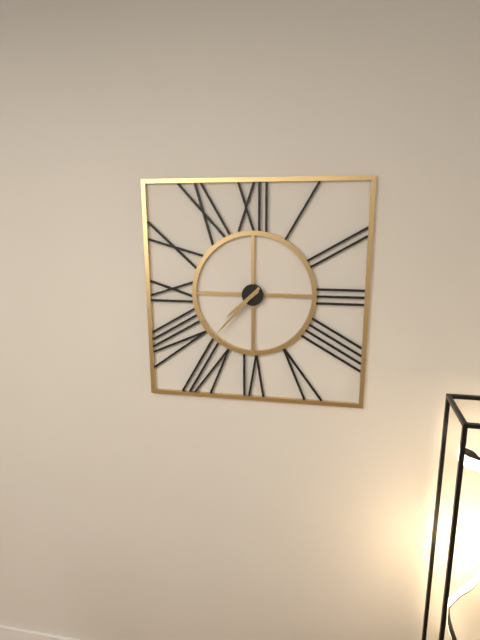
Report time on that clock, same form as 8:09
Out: 7:37
